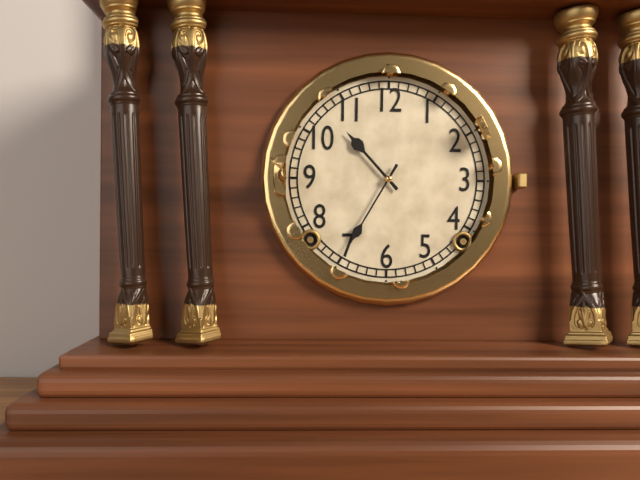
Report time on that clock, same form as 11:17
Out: 10:35
